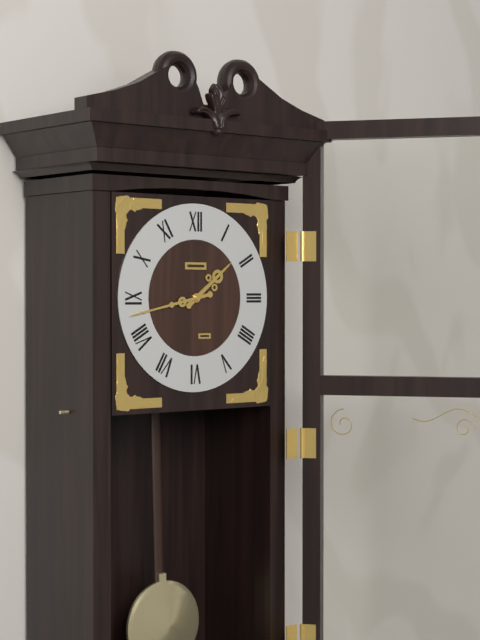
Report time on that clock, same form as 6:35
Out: 1:43
